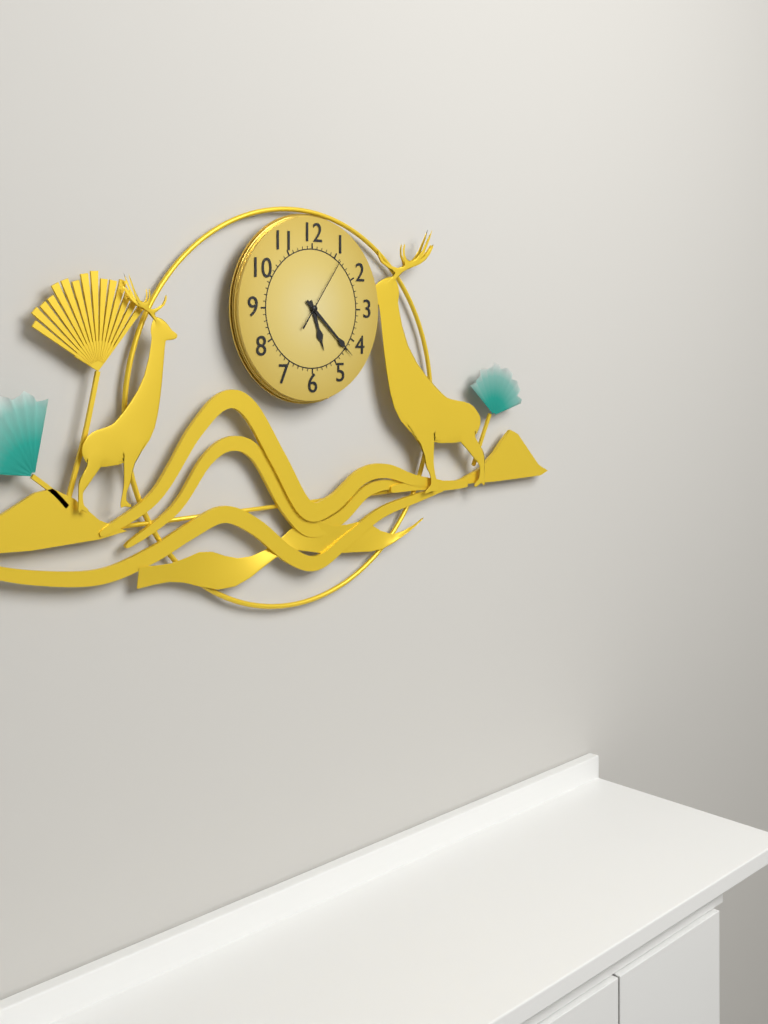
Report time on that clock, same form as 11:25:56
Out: 5:22:06
